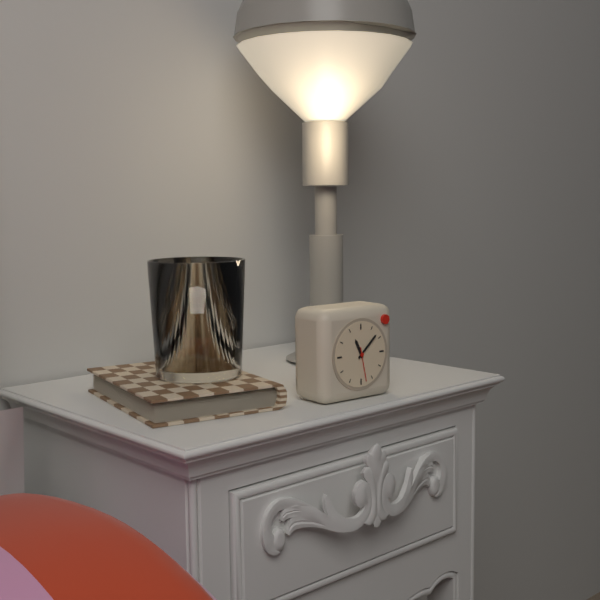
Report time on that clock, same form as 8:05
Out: 11:08
